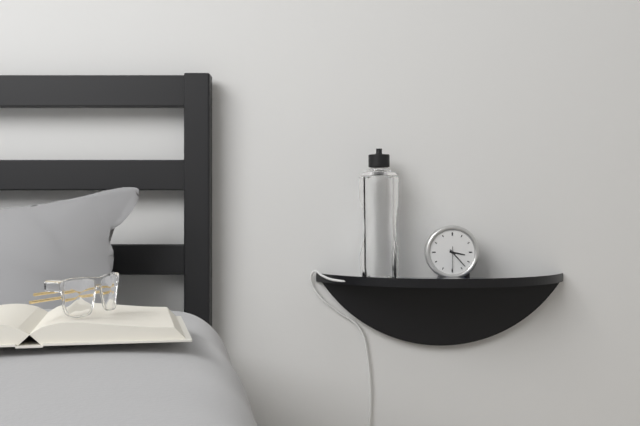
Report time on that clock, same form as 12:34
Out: 3:23
